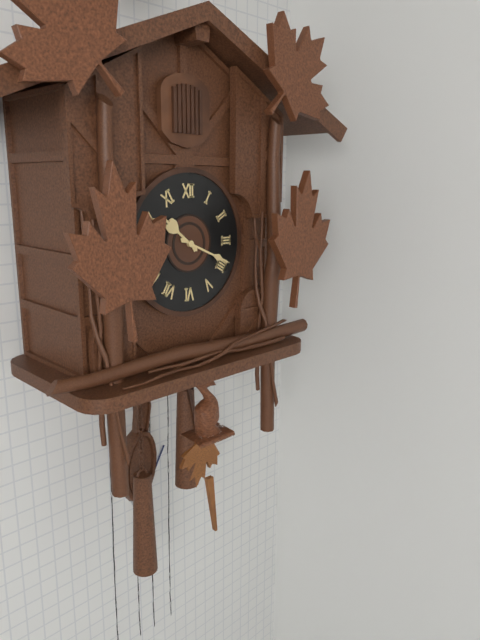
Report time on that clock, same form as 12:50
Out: 10:19
